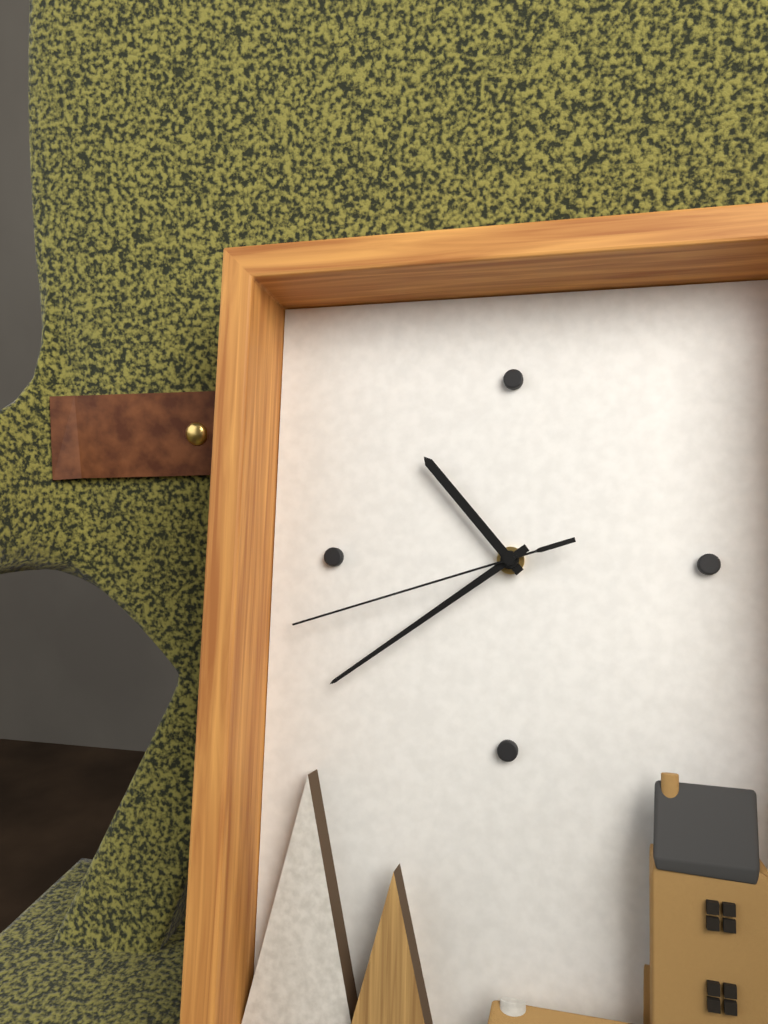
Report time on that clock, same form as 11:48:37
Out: 10:39:42
